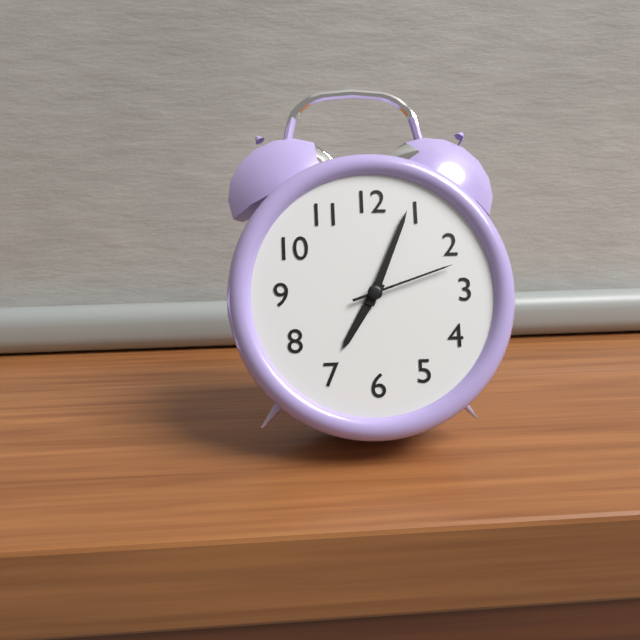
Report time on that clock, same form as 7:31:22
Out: 7:04:12
